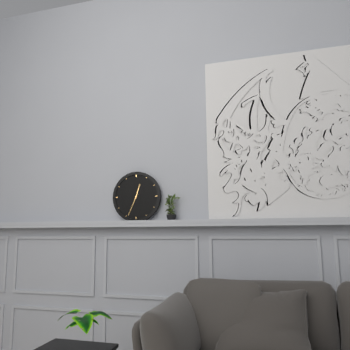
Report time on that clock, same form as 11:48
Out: 12:34
